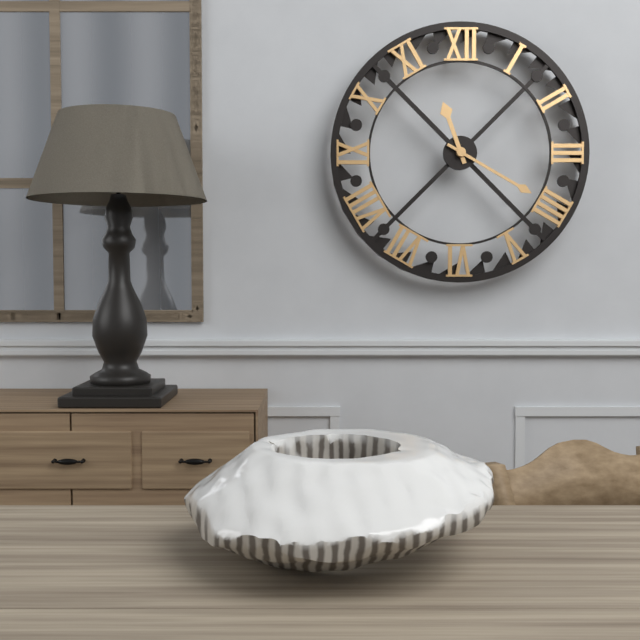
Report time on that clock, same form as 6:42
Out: 11:20
